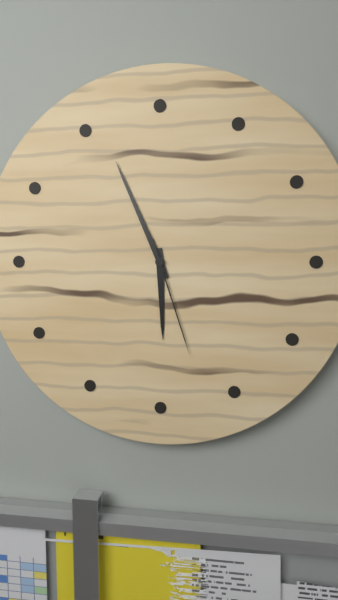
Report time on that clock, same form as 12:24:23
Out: 5:56:27
